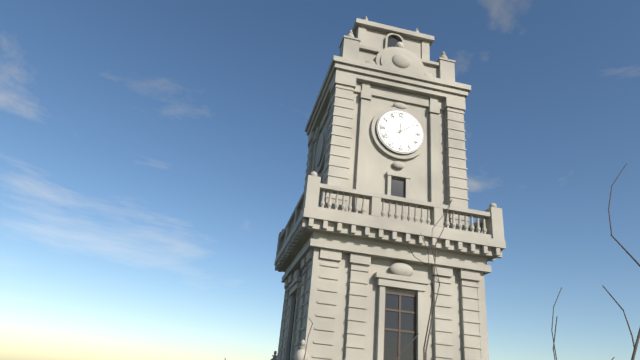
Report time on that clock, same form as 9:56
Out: 12:09
